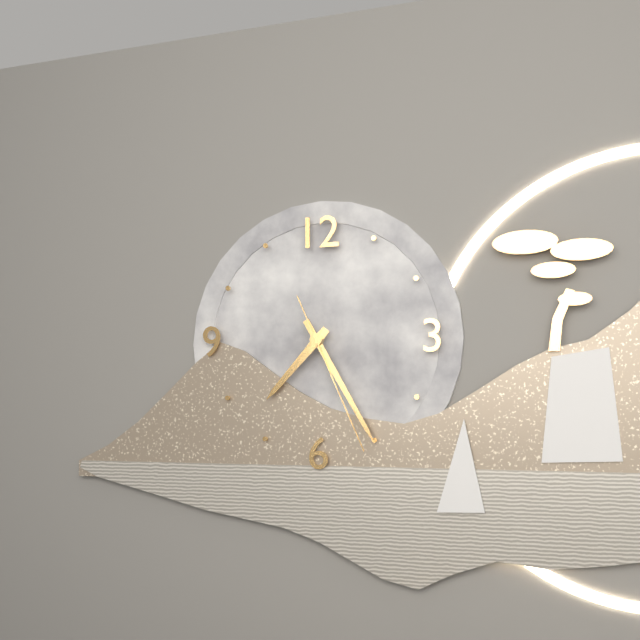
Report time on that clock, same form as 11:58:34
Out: 7:25:26
